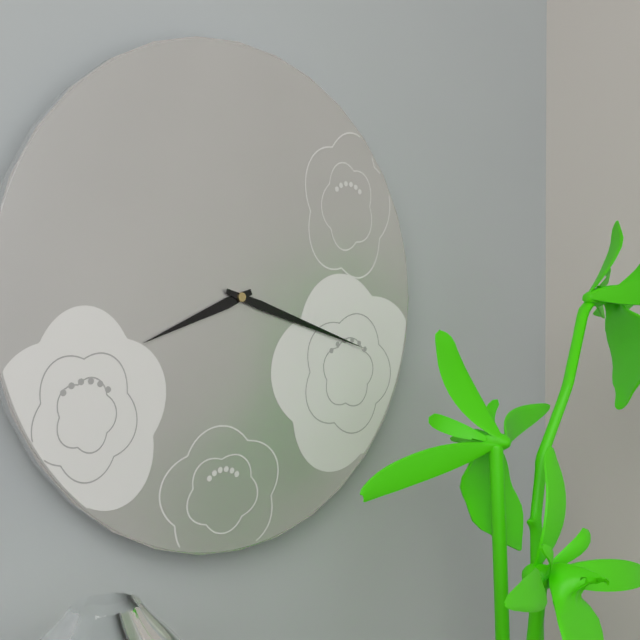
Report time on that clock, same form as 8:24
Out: 8:18
